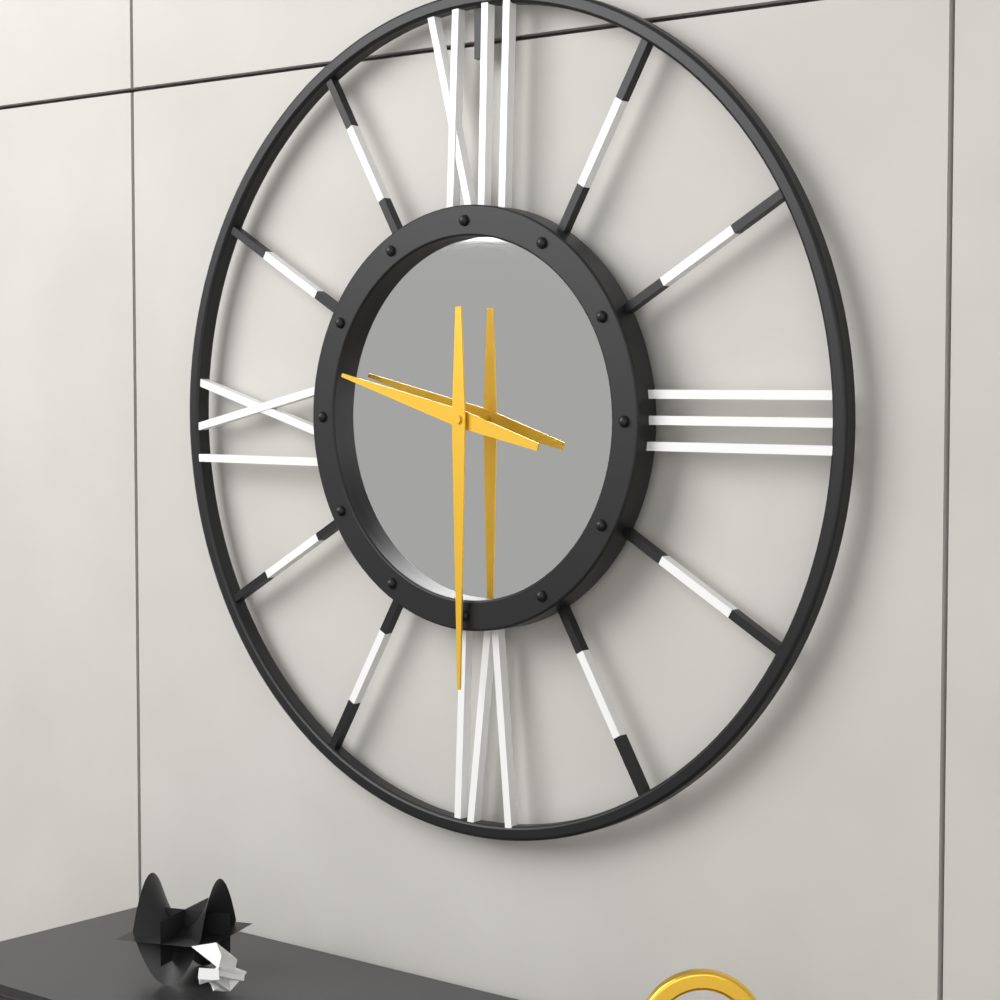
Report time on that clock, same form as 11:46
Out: 9:30
